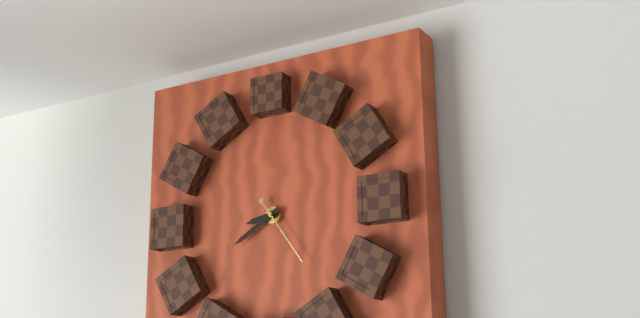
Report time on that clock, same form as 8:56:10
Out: 8:40:24
